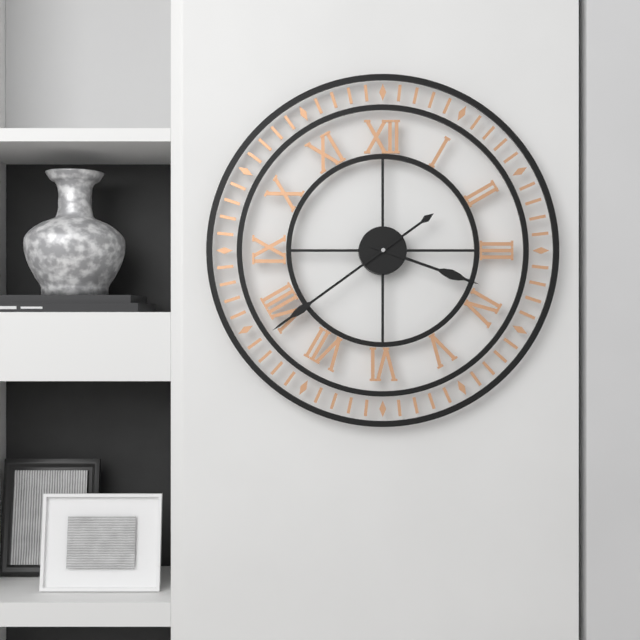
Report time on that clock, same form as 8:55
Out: 3:39
